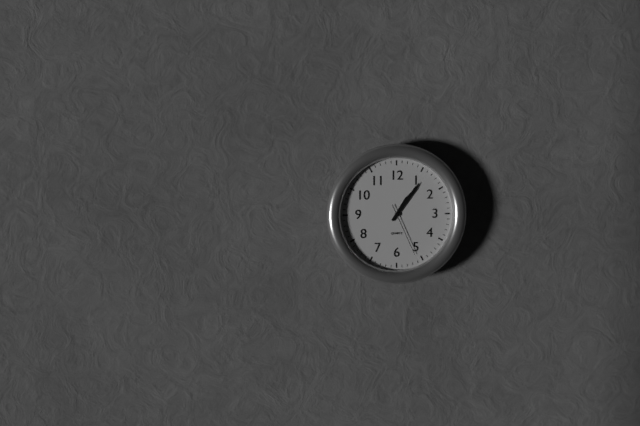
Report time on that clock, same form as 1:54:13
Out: 1:06:26
